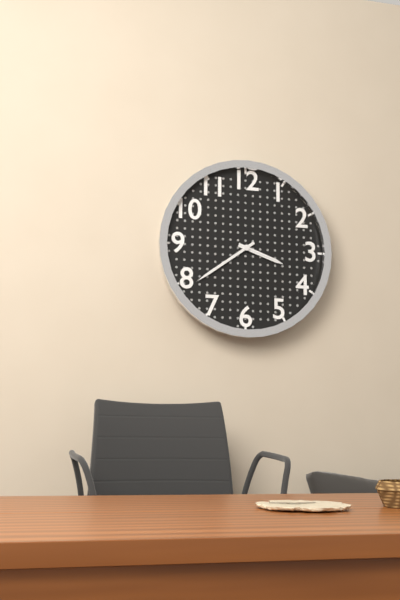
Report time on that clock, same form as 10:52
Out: 3:39
